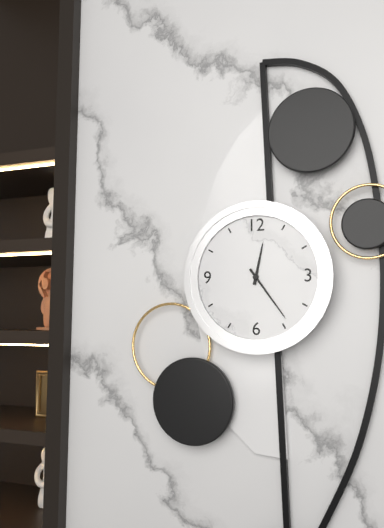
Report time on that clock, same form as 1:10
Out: 12:24
